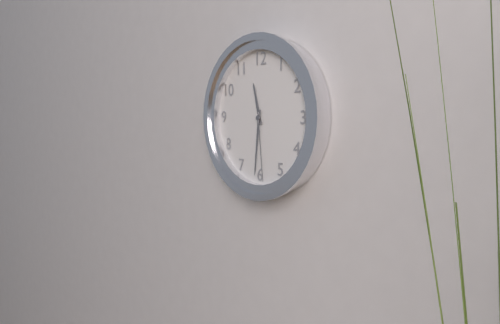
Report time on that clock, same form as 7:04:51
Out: 11:31:29
